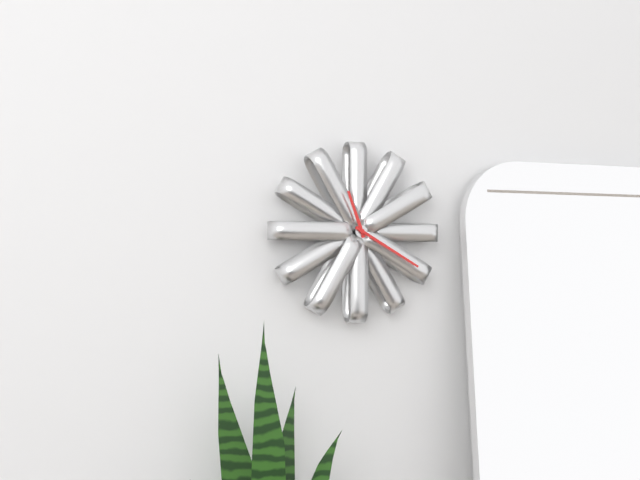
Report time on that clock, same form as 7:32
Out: 11:20
